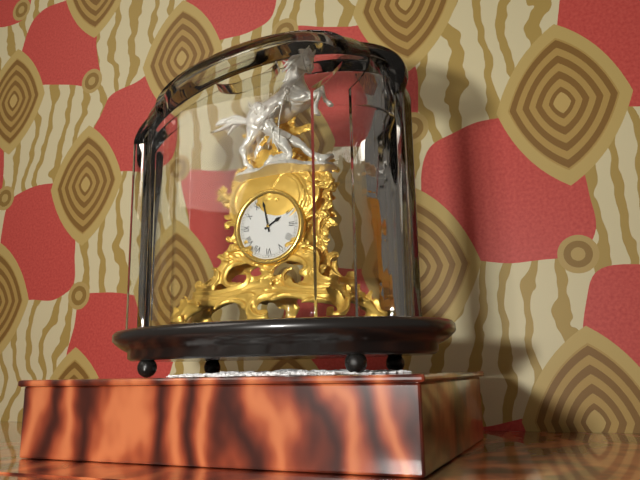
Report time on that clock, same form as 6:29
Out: 1:58
